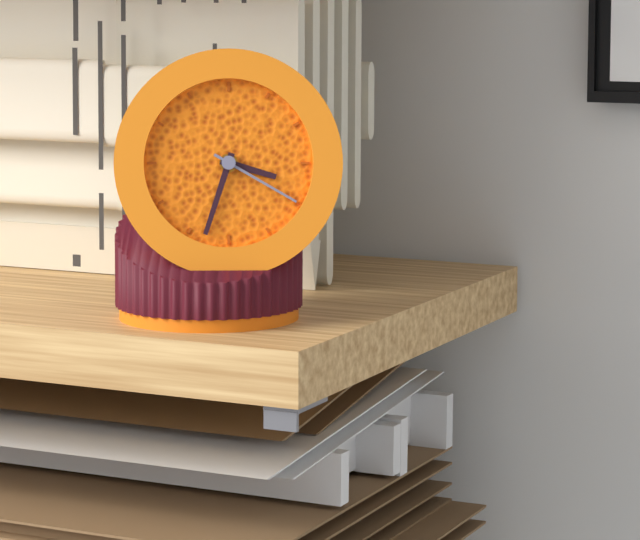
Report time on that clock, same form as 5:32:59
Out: 3:33:20
